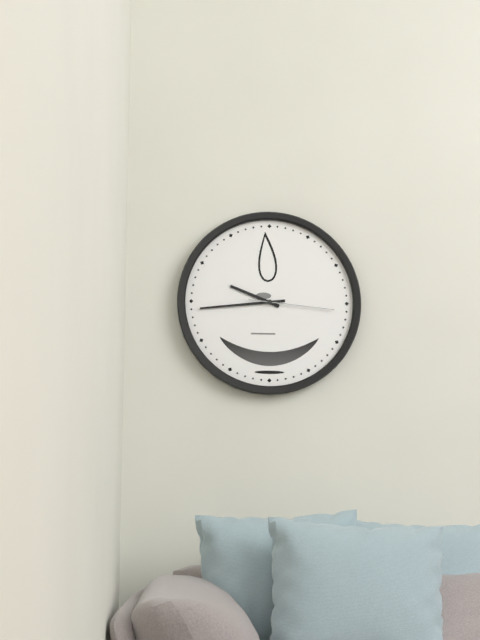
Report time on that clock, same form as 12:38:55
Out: 9:44:16
